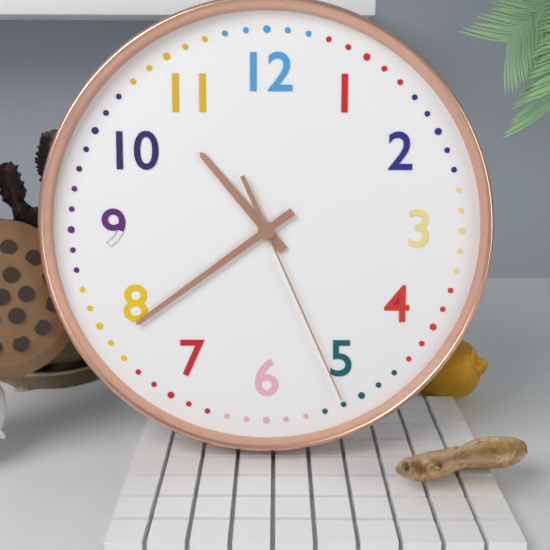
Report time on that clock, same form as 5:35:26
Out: 10:39:26
